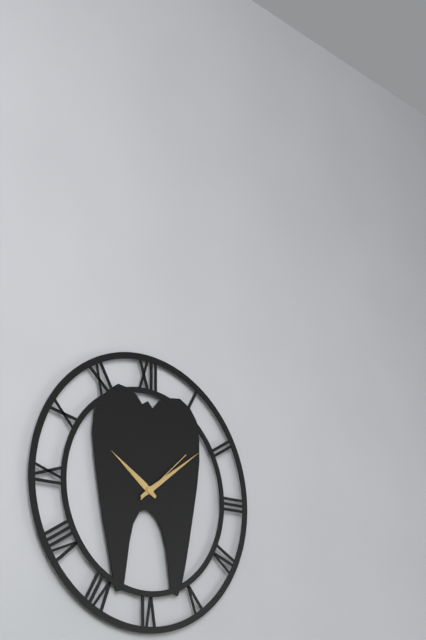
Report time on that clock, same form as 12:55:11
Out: 10:09:08
